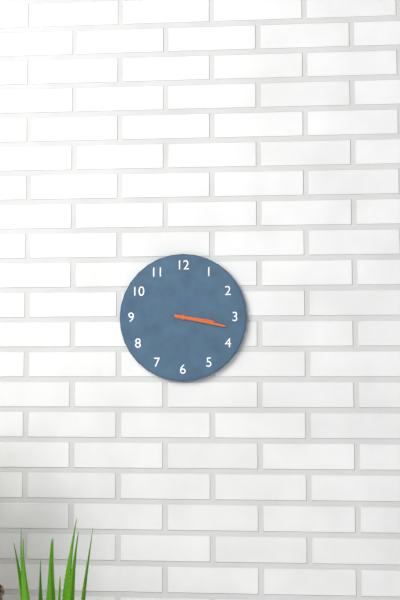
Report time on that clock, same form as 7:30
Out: 3:17
